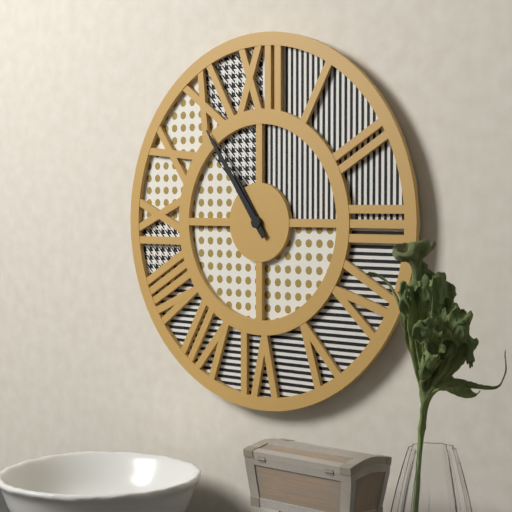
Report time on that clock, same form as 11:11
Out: 10:54
